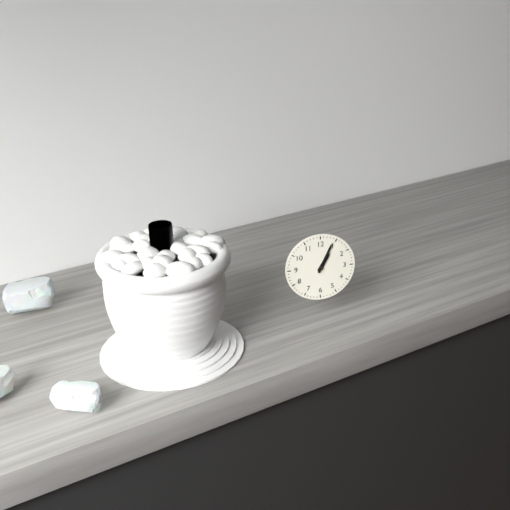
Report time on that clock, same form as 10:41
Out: 1:04
